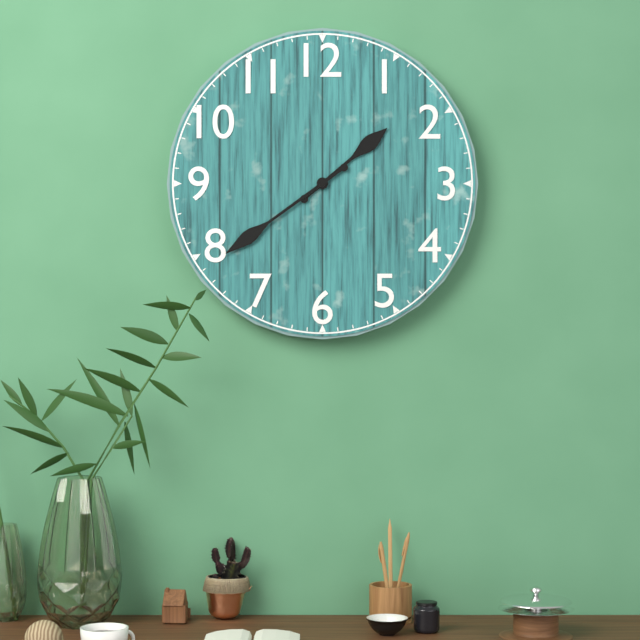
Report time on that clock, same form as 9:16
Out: 1:39
